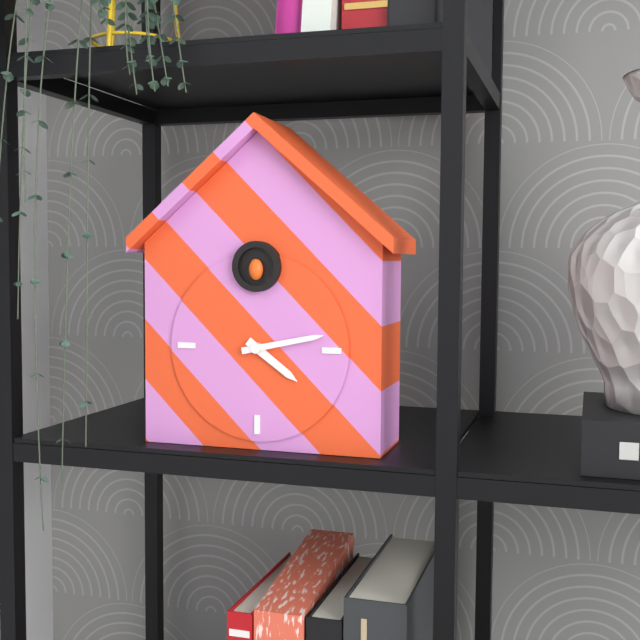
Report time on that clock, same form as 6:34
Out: 4:13
